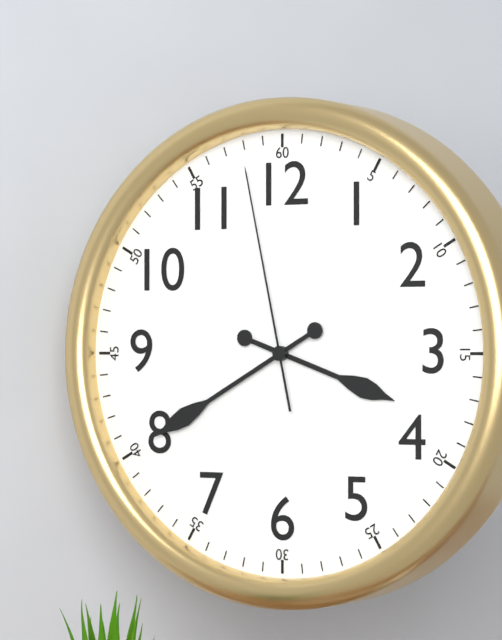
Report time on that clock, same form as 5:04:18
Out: 3:40:58
